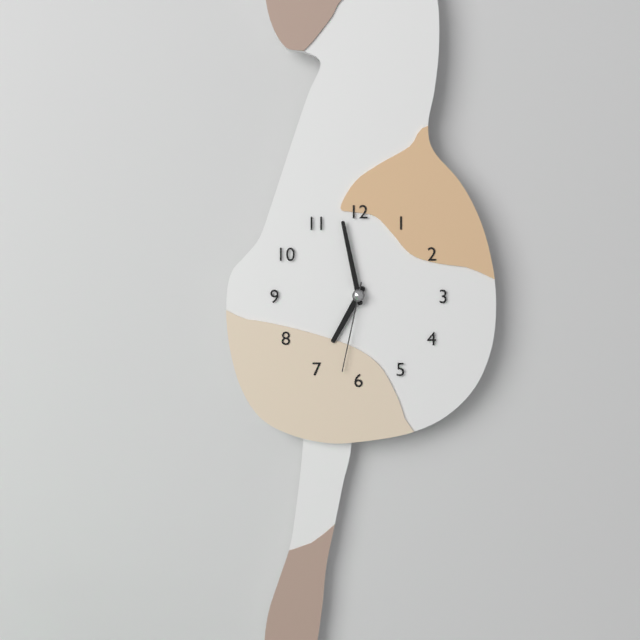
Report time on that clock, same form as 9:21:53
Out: 6:58:32
